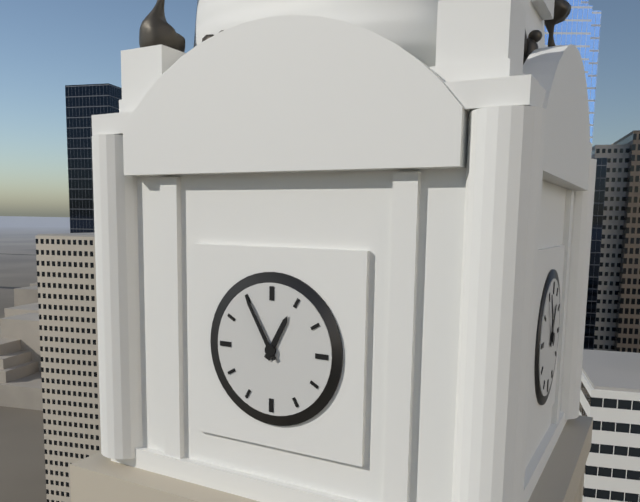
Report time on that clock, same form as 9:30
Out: 12:55
